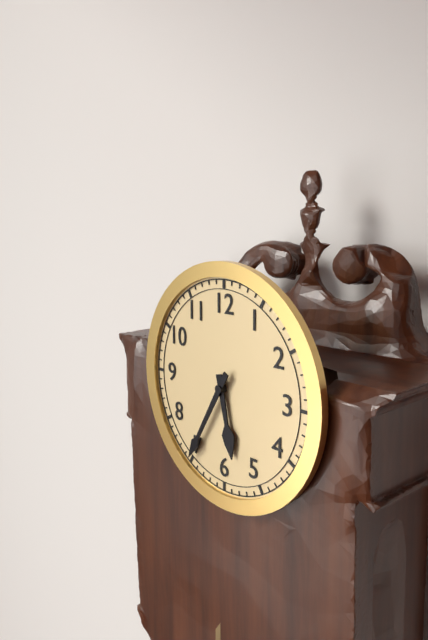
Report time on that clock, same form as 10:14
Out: 5:35
